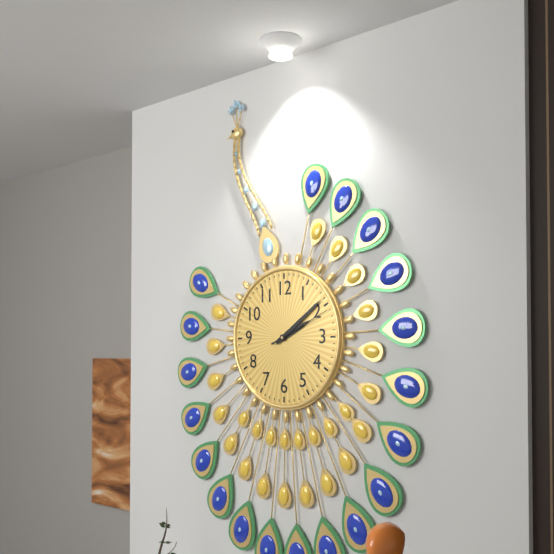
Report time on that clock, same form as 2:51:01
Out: 2:09:11
